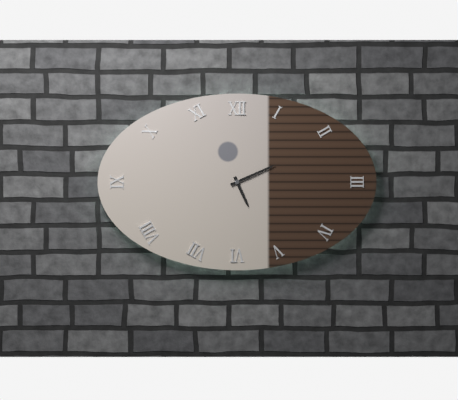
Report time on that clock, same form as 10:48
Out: 5:11
